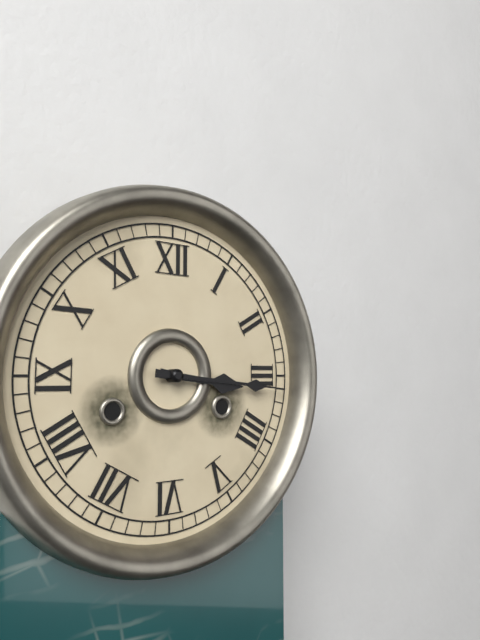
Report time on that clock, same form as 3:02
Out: 3:16
